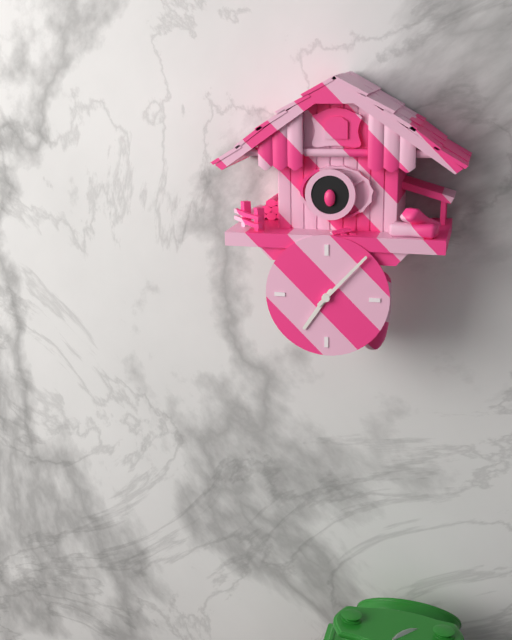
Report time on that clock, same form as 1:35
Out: 7:07
